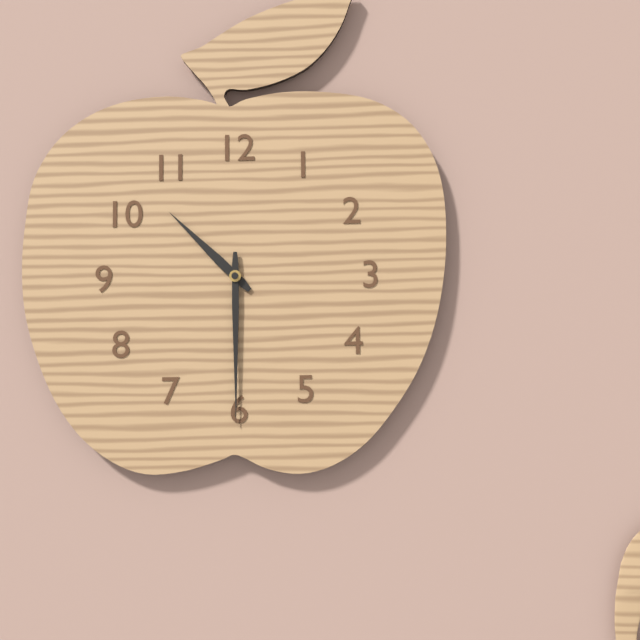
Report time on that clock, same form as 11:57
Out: 10:30
